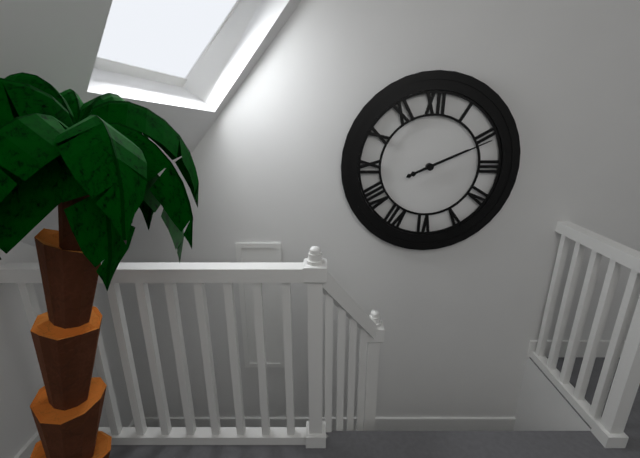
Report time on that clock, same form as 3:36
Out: 2:11
